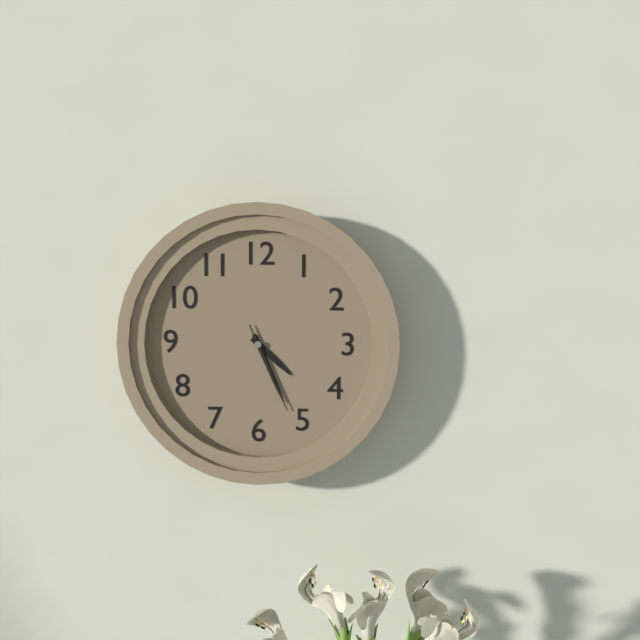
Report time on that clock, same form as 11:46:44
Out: 4:26:26
